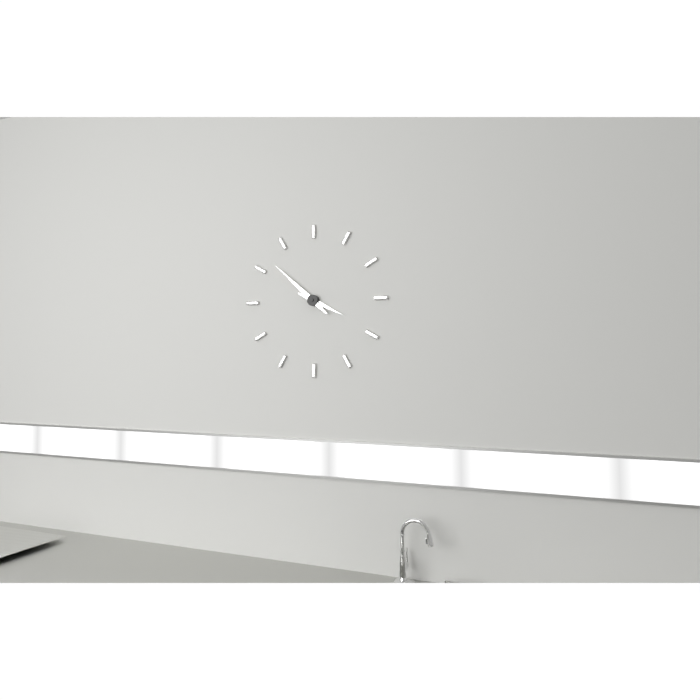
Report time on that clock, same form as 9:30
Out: 3:52
